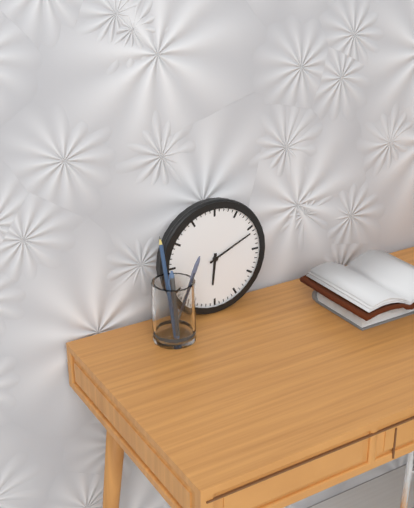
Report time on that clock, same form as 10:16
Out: 6:11
